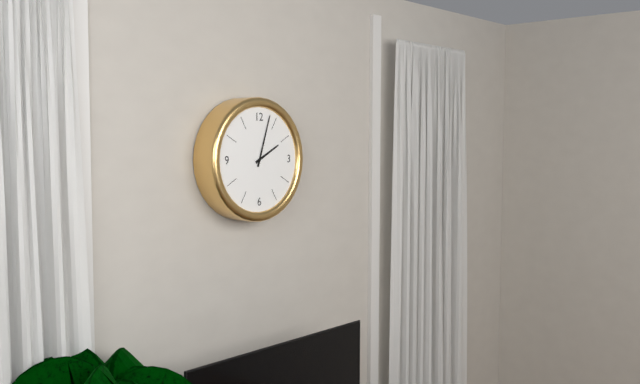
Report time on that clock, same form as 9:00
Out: 2:03
